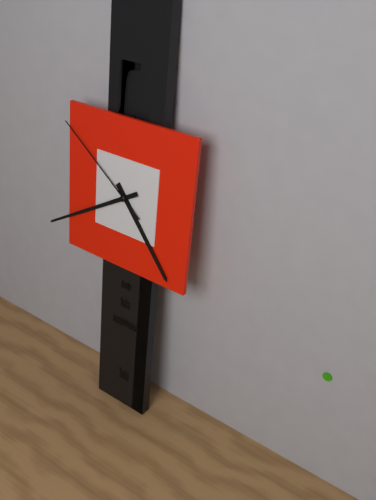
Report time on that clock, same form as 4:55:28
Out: 4:40:51
